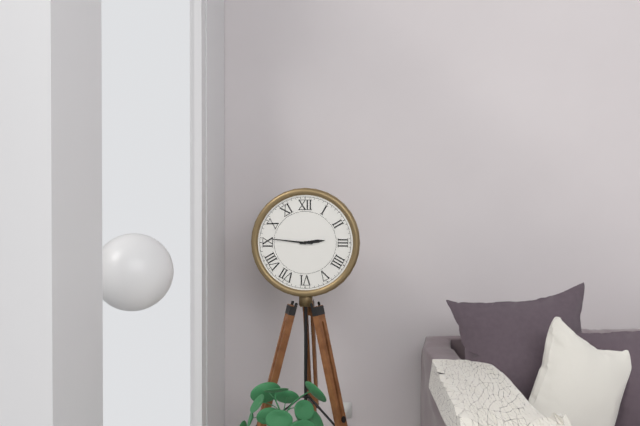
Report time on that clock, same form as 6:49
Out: 2:46
